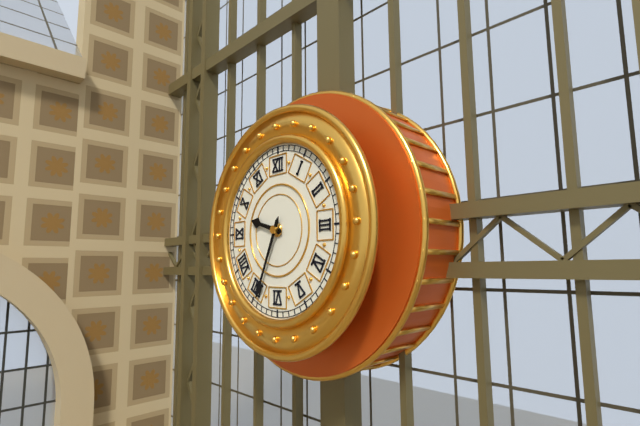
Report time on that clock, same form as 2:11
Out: 9:34
